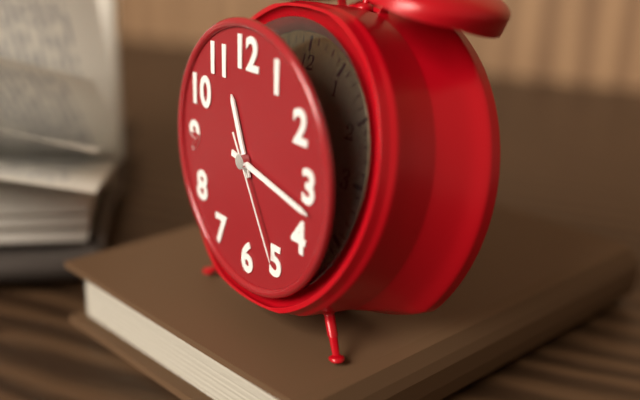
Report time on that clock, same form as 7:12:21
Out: 11:17:25
